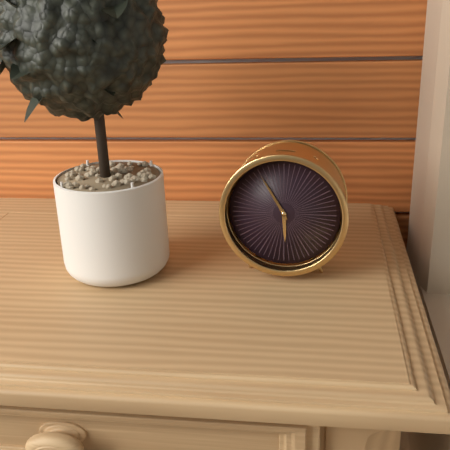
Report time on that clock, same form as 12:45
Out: 5:55
